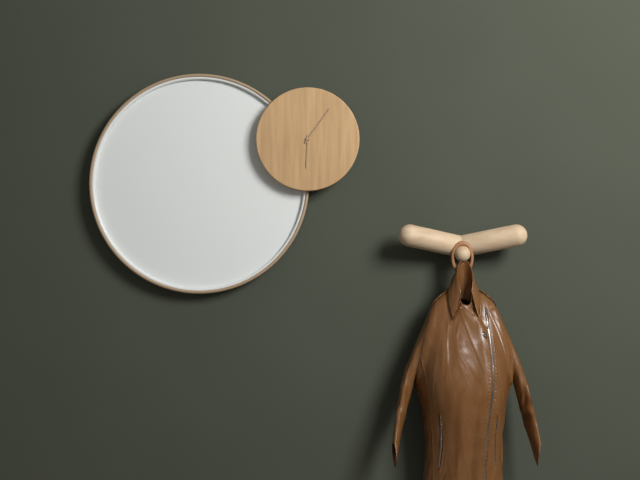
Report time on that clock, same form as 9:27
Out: 6:06
